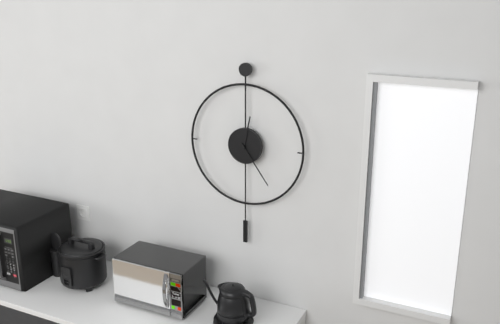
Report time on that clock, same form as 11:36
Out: 12:24
